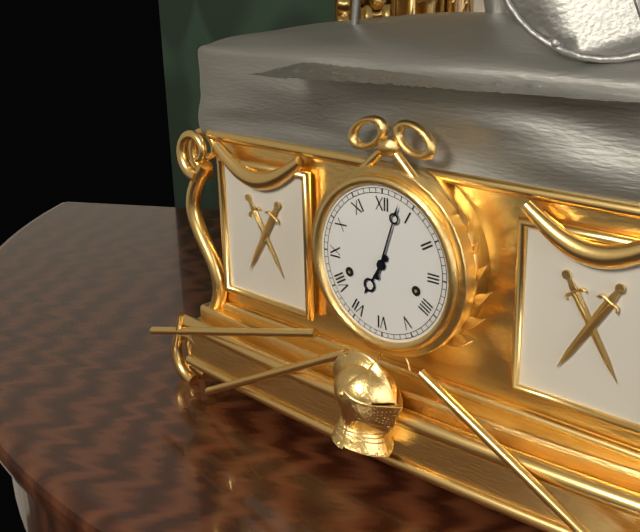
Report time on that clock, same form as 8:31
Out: 7:03
